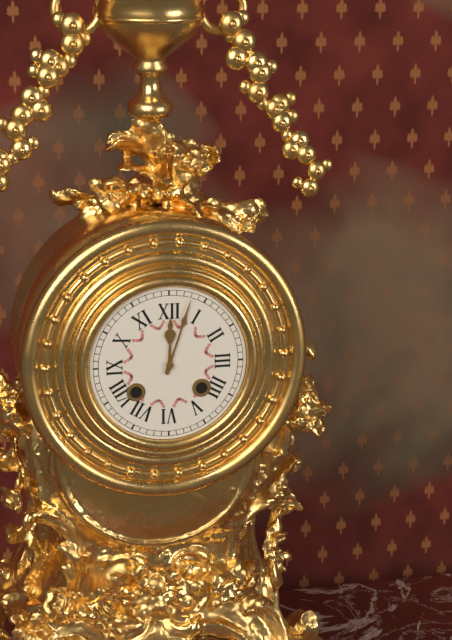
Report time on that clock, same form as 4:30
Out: 12:03
